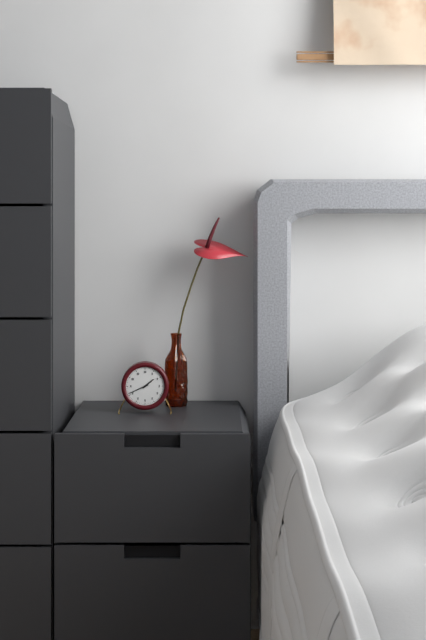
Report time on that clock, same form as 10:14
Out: 1:41
